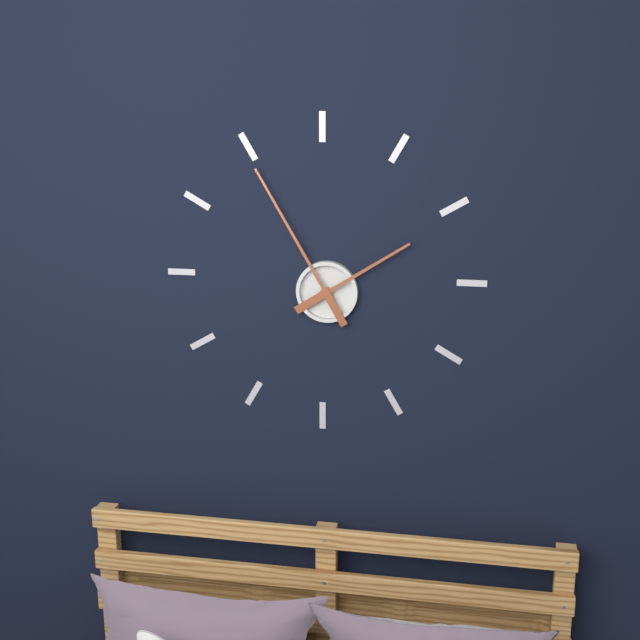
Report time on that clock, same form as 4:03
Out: 1:55
